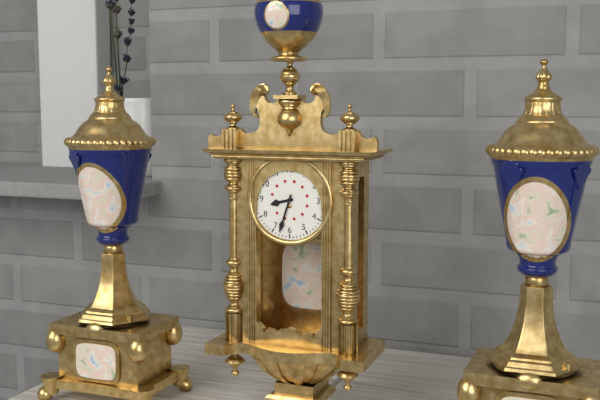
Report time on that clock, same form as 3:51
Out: 8:33
